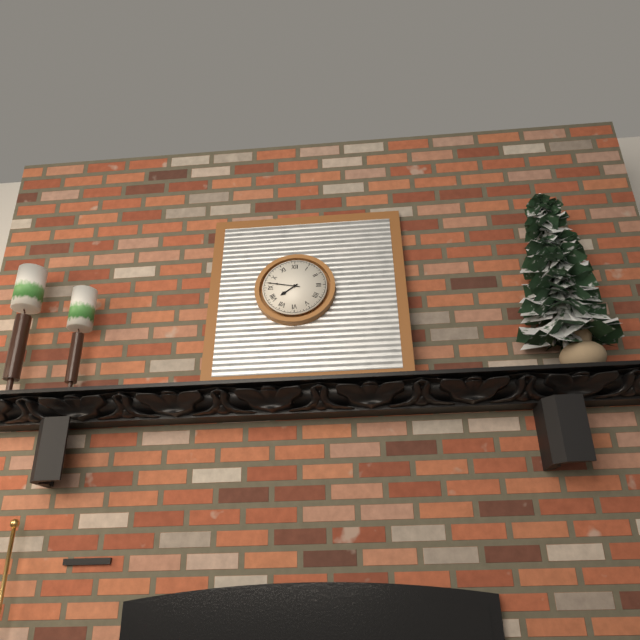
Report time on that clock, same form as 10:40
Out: 7:47
